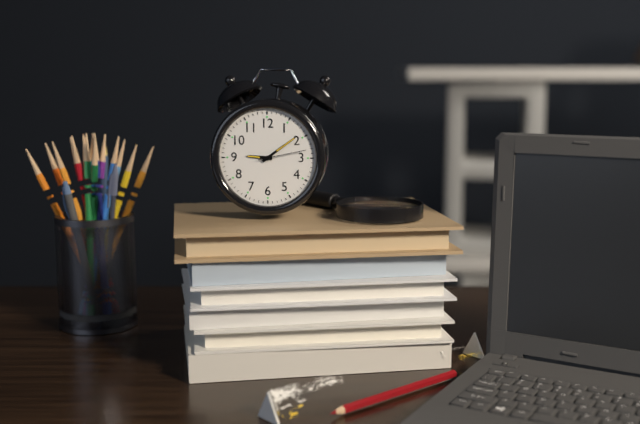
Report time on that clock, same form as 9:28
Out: 9:09
